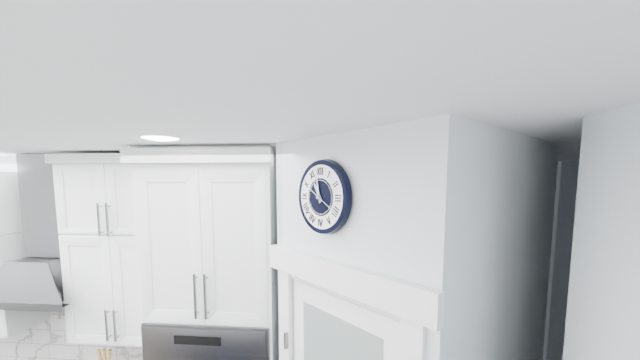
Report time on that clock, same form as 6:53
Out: 10:58
